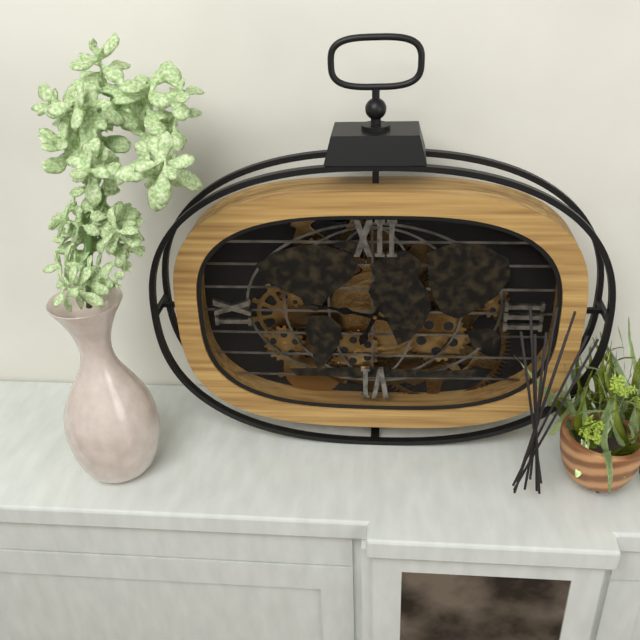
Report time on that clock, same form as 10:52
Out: 6:47
